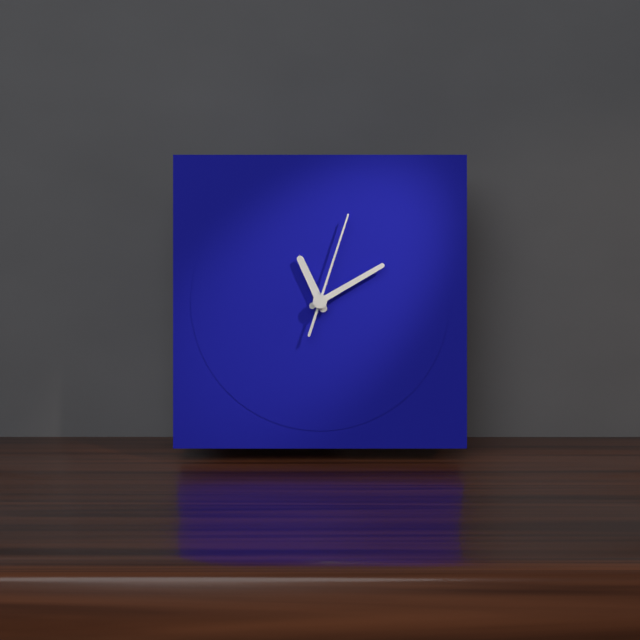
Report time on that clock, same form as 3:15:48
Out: 11:10:03
